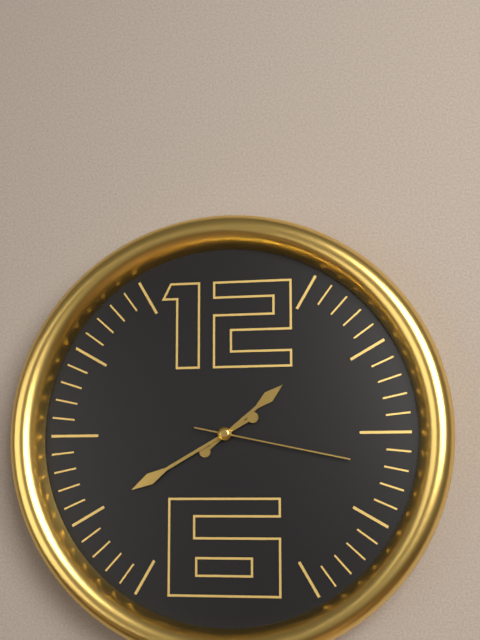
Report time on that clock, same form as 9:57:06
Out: 1:40:17
